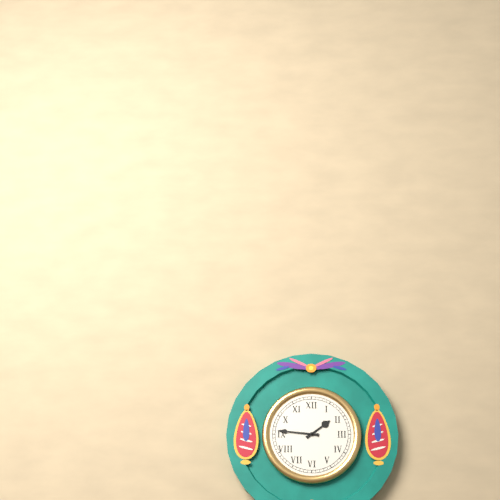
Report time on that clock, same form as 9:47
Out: 1:46
